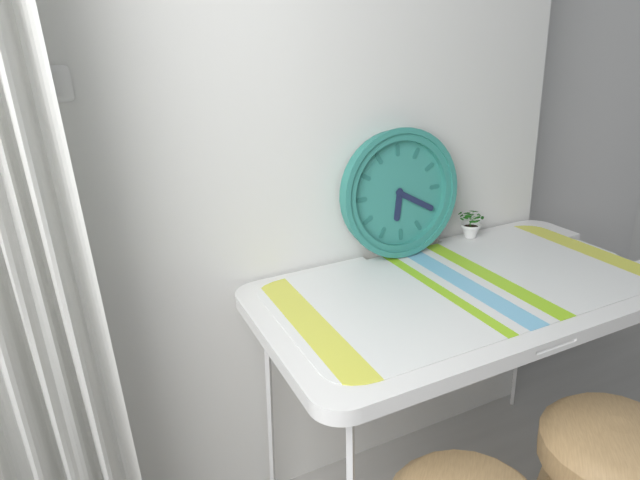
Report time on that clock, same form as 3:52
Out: 6:20
